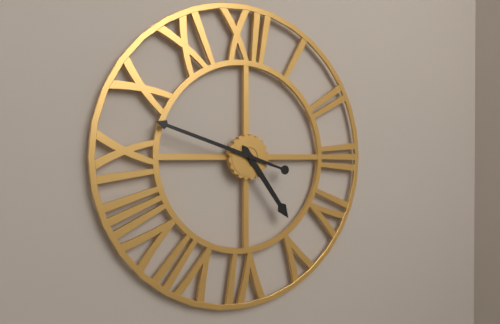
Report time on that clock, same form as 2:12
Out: 4:48
